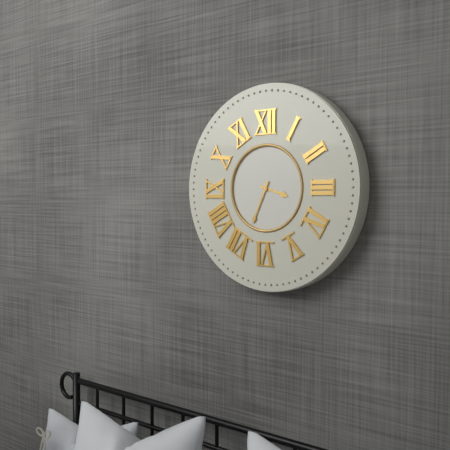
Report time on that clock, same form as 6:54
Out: 3:34
